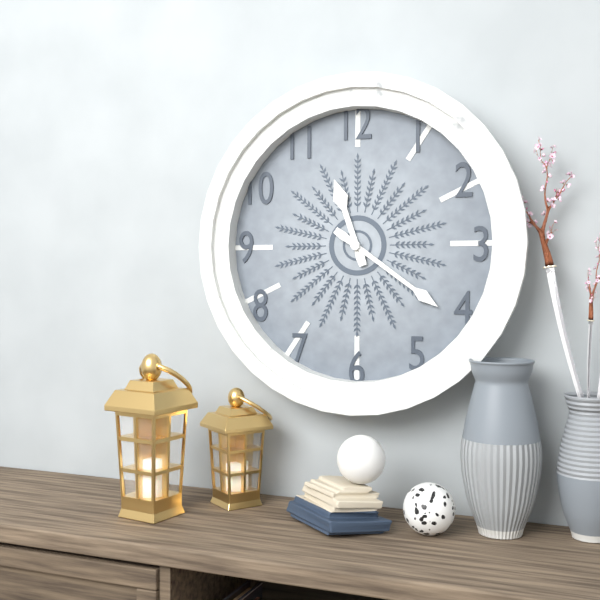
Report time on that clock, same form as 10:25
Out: 11:21
